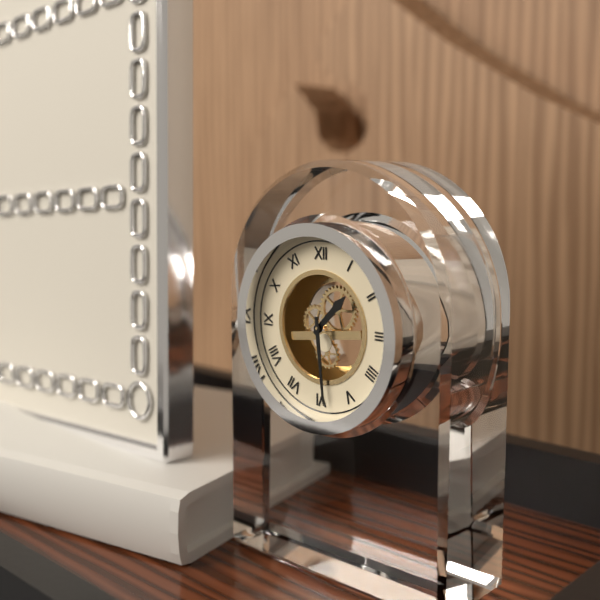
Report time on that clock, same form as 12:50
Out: 1:29
